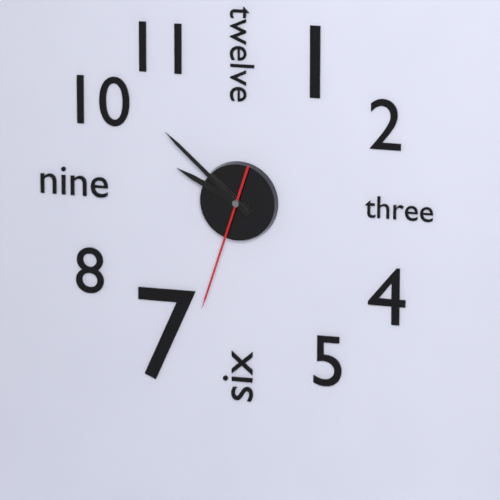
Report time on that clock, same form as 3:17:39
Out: 9:52:33
